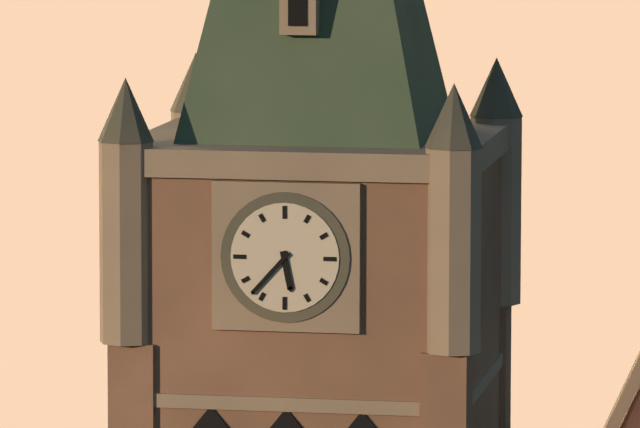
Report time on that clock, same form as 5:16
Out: 5:37
